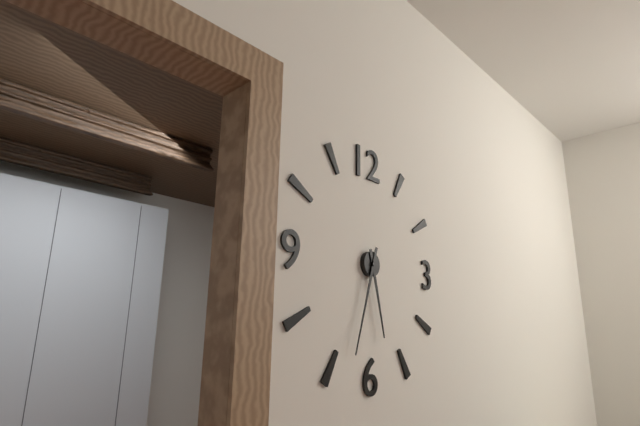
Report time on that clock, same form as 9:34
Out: 5:33
